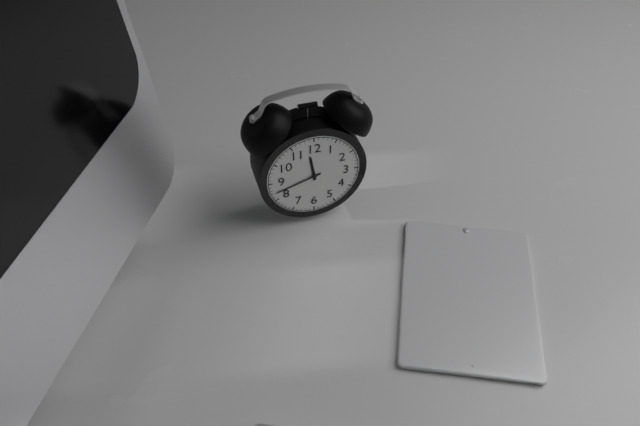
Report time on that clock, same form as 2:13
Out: 11:42
